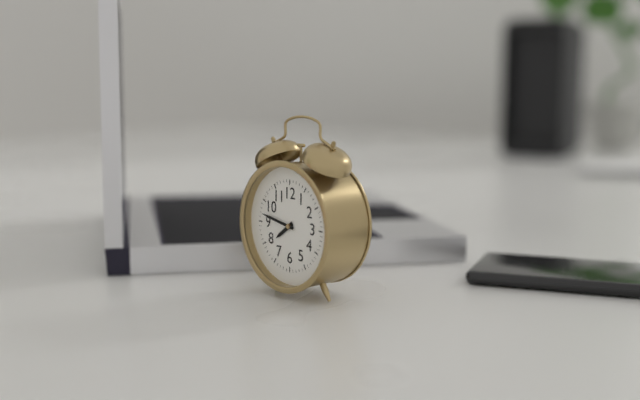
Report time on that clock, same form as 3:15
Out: 7:47
